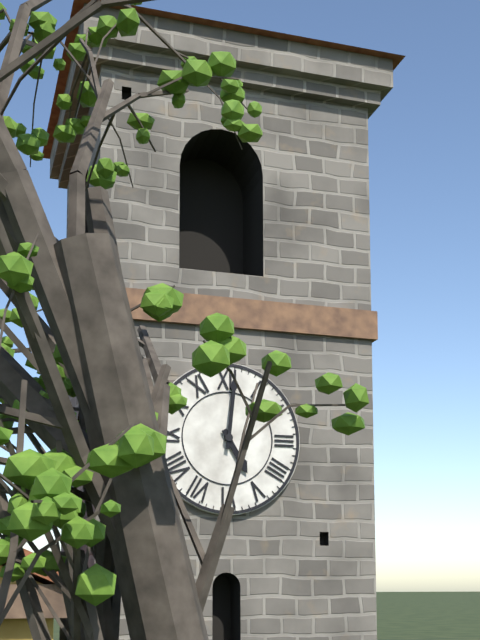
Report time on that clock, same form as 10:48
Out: 5:01
